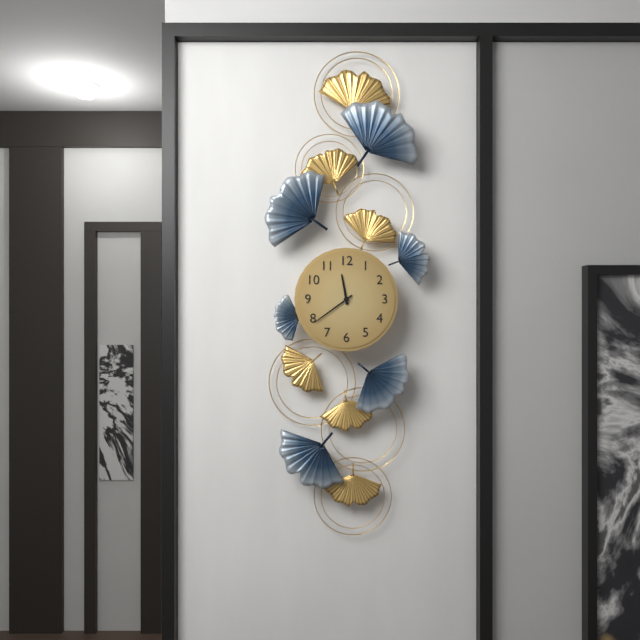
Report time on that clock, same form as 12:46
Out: 11:39
